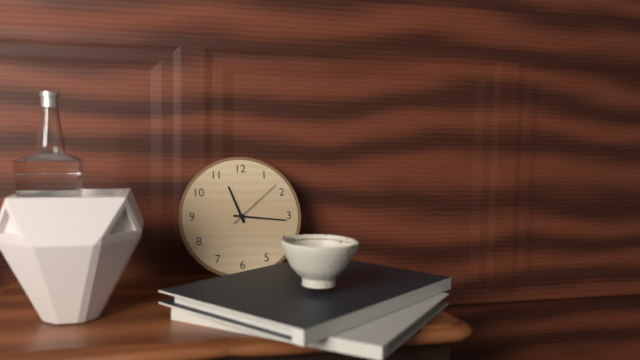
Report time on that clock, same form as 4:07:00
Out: 11:16:08
